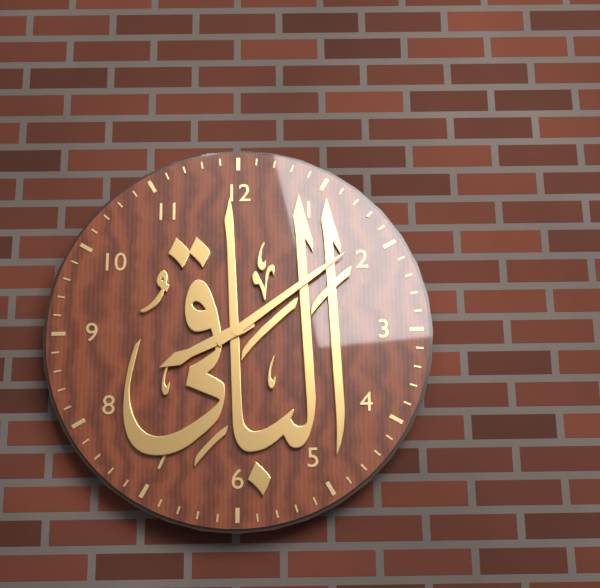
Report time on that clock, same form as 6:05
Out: 8:09
